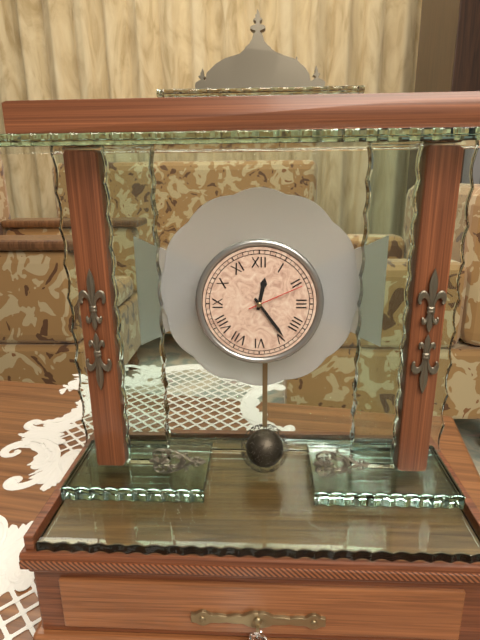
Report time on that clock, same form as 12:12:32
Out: 12:24:11
